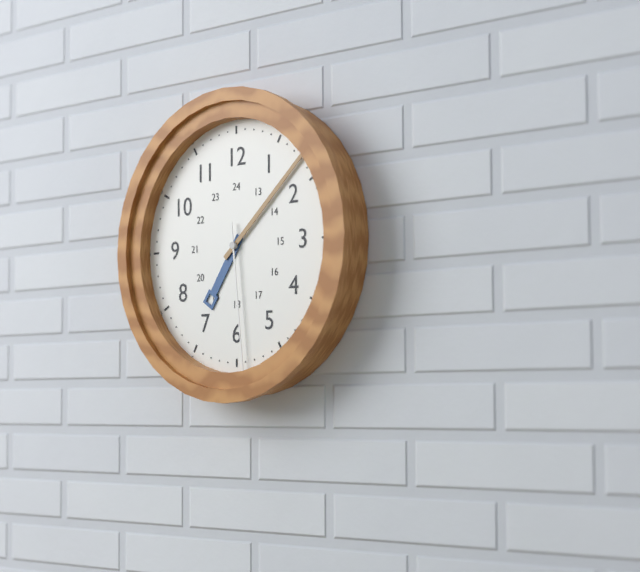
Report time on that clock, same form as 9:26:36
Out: 7:08:29
